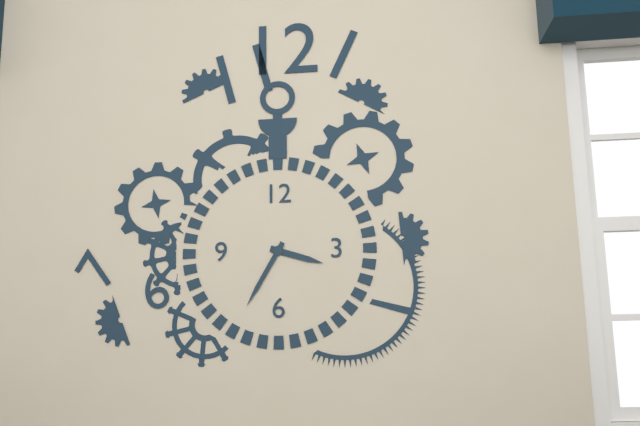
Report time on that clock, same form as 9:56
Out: 3:35
